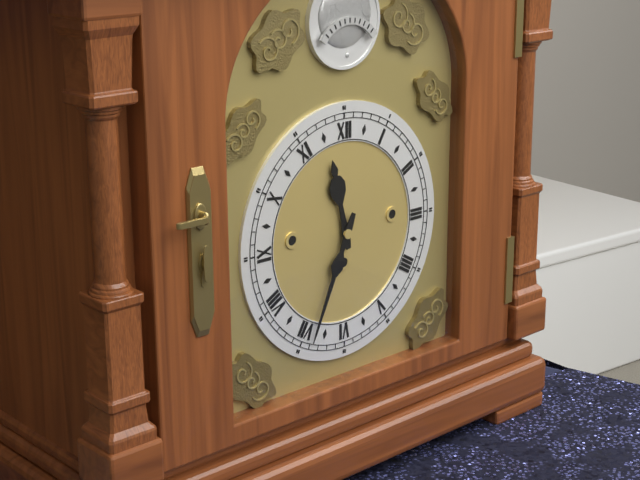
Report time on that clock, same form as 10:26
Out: 11:34
